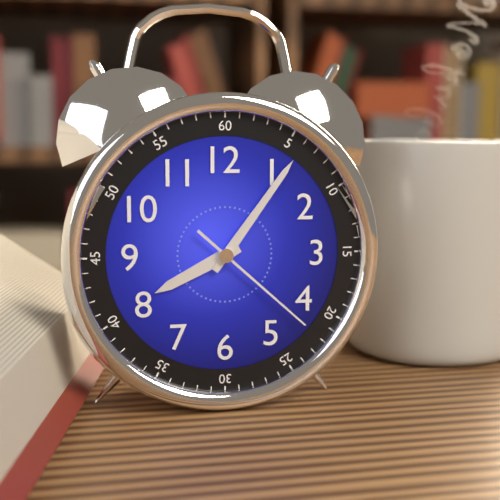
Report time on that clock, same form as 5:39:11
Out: 8:06:22
